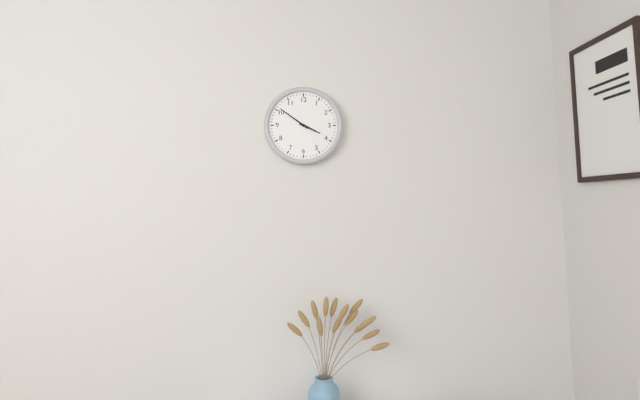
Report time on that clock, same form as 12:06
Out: 3:51
